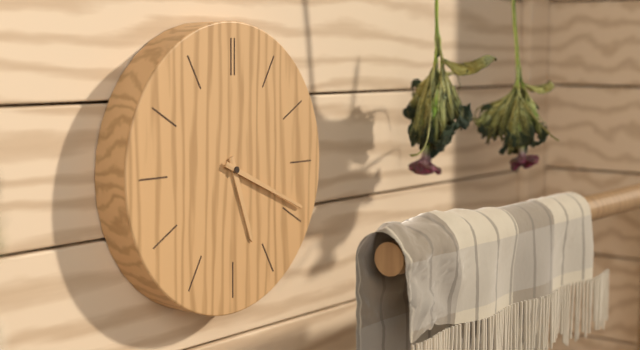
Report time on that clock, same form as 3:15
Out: 5:19
